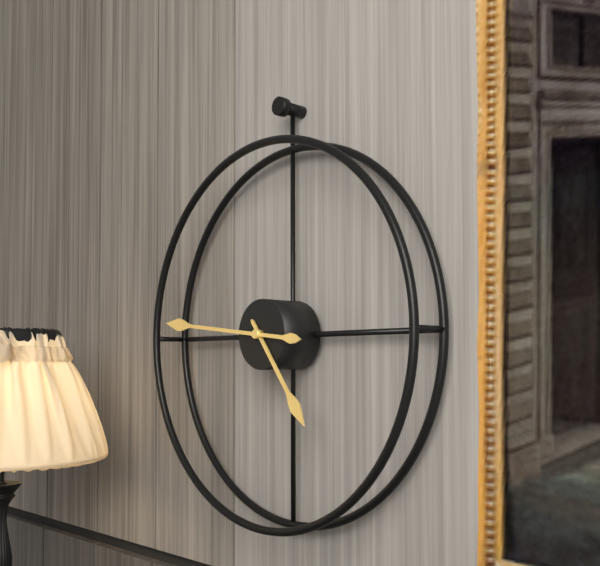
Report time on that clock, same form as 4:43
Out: 4:46
